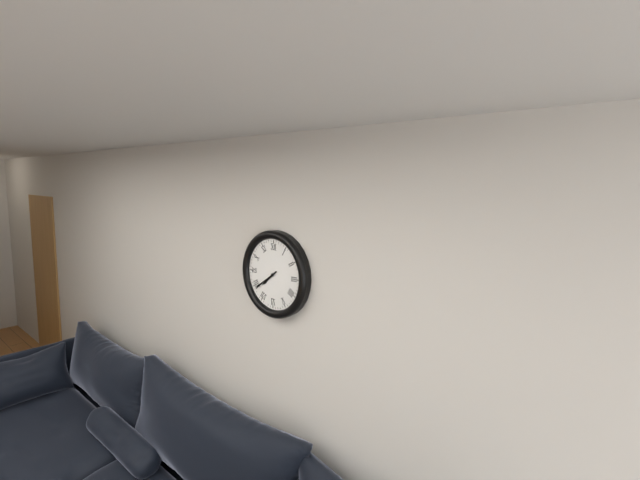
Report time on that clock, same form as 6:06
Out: 7:39
